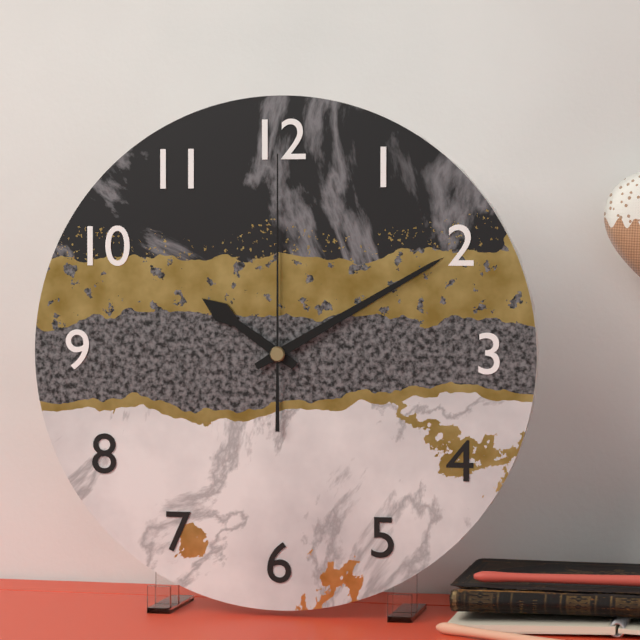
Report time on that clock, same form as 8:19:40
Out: 10:10:00
